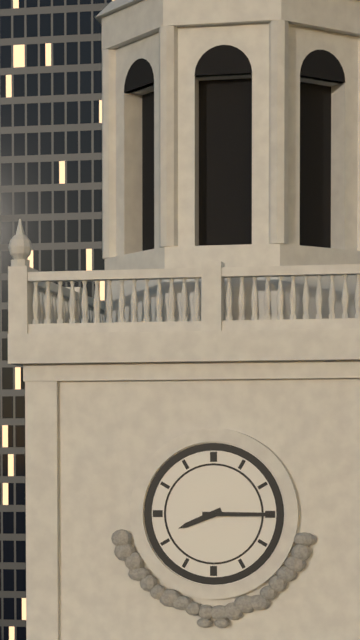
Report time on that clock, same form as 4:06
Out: 8:15
